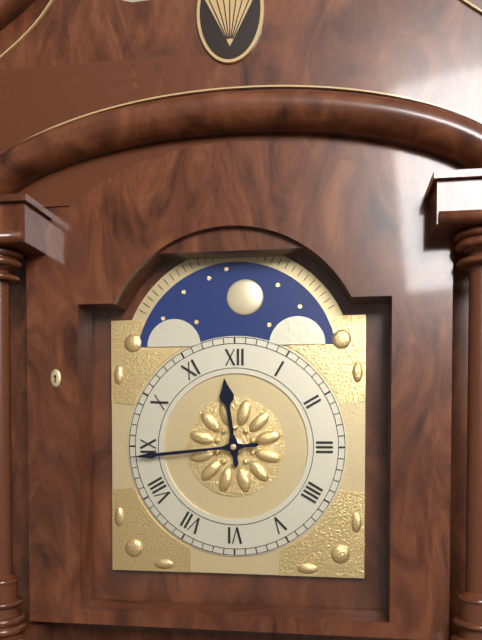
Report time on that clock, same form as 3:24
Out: 11:44
